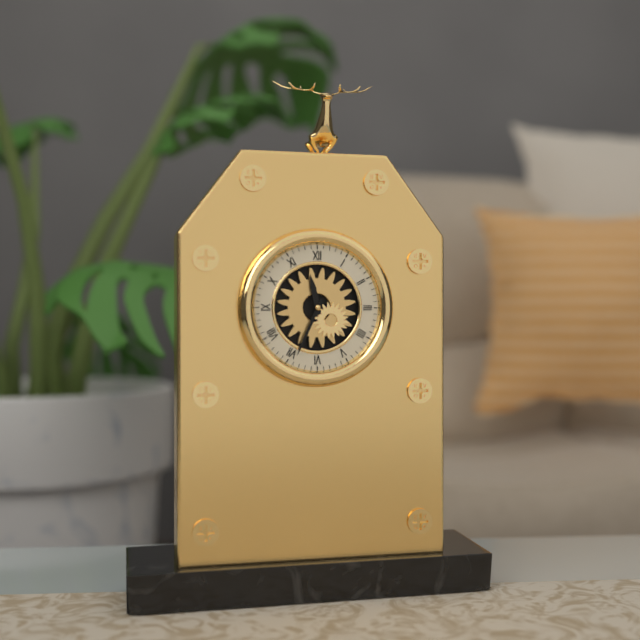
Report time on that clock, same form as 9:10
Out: 11:34
